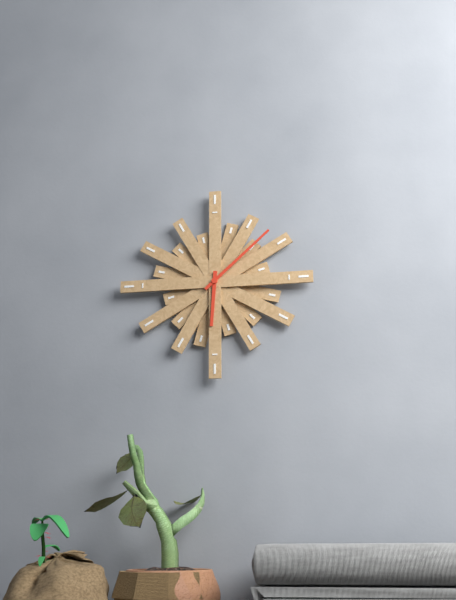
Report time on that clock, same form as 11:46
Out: 6:08
